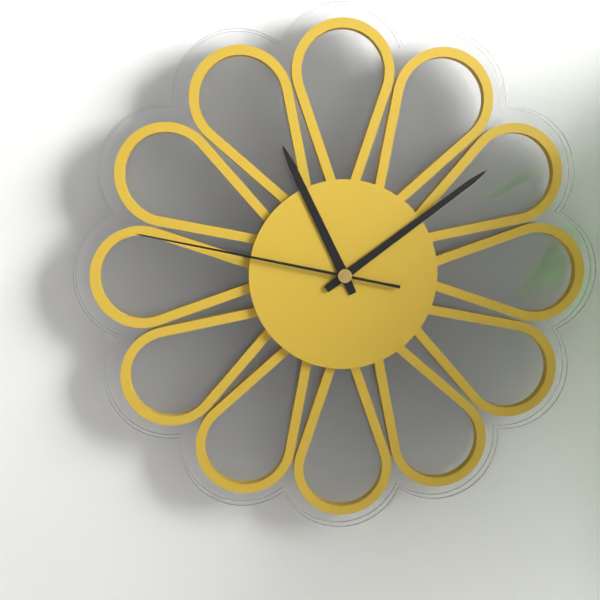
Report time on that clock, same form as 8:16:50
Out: 11:09:47
